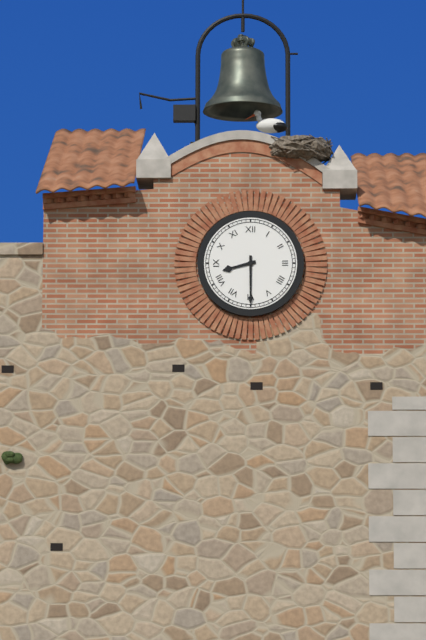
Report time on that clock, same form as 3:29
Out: 8:30
